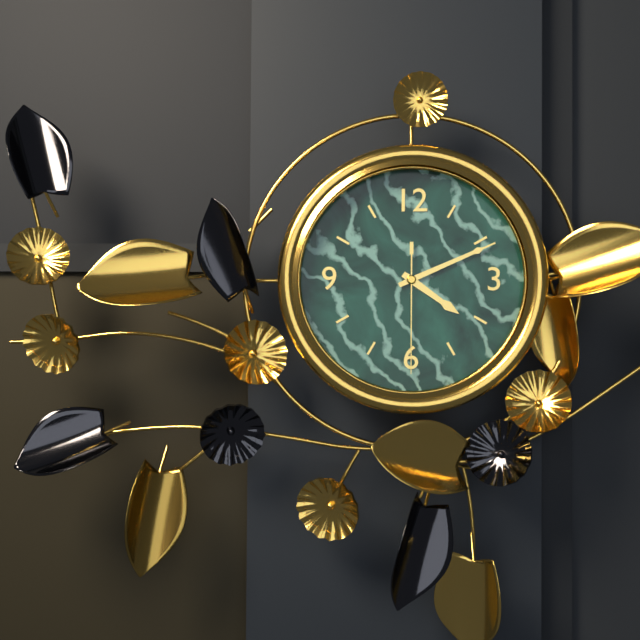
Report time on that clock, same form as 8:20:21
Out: 4:11:30
